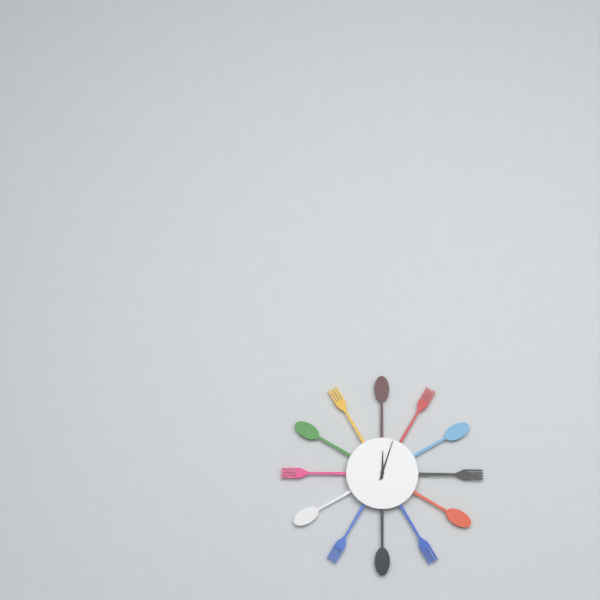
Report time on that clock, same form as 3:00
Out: 12:03
